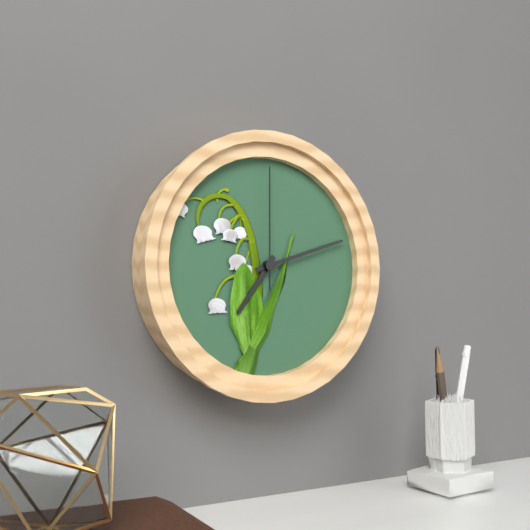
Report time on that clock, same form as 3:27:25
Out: 7:12:00
